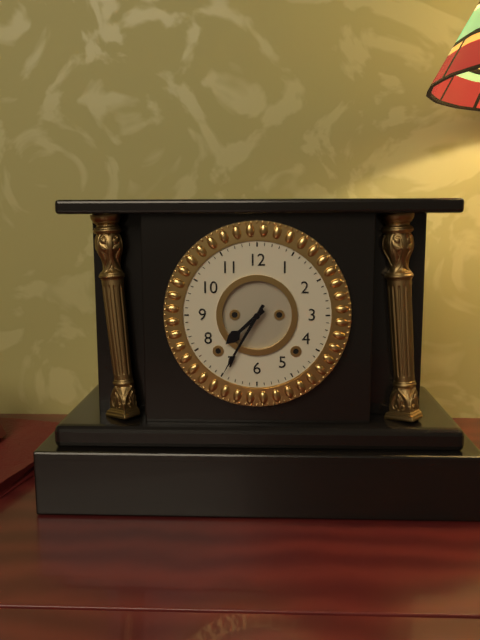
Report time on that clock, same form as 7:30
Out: 7:35
